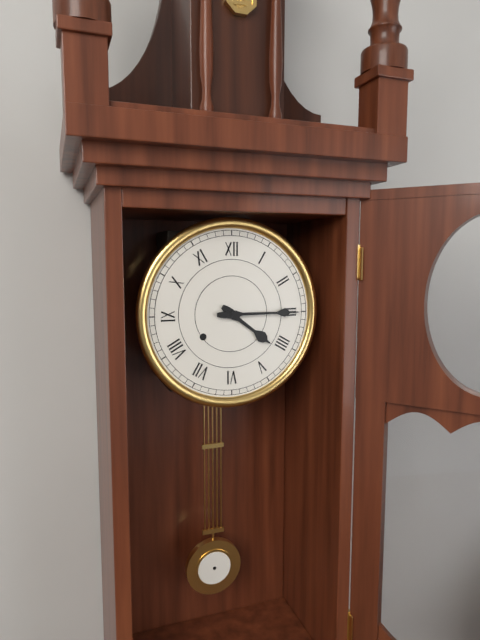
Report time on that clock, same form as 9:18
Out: 4:15
